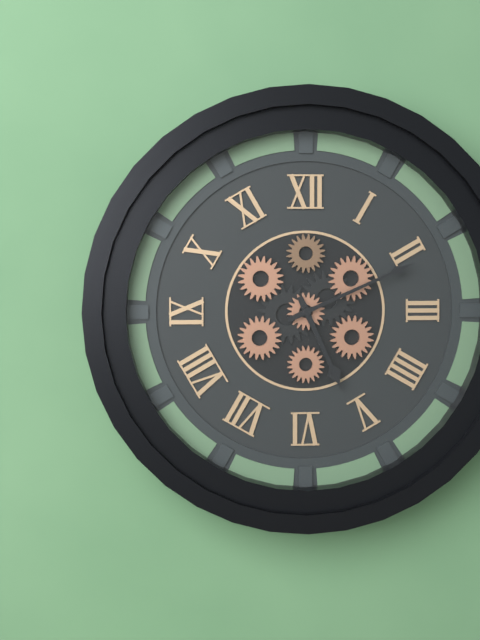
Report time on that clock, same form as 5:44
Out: 5:11
